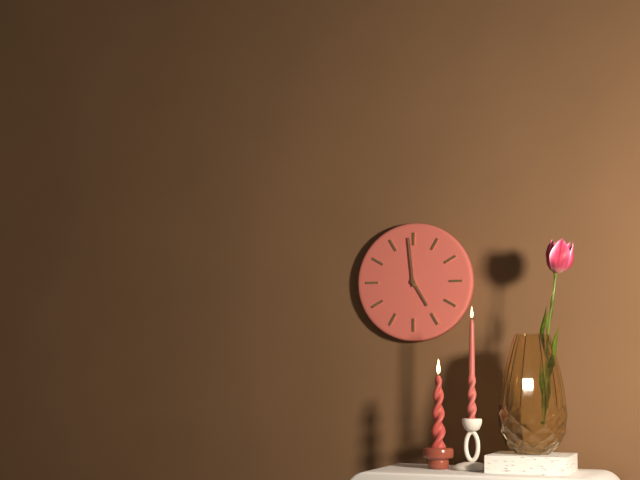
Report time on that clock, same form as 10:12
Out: 4:59
